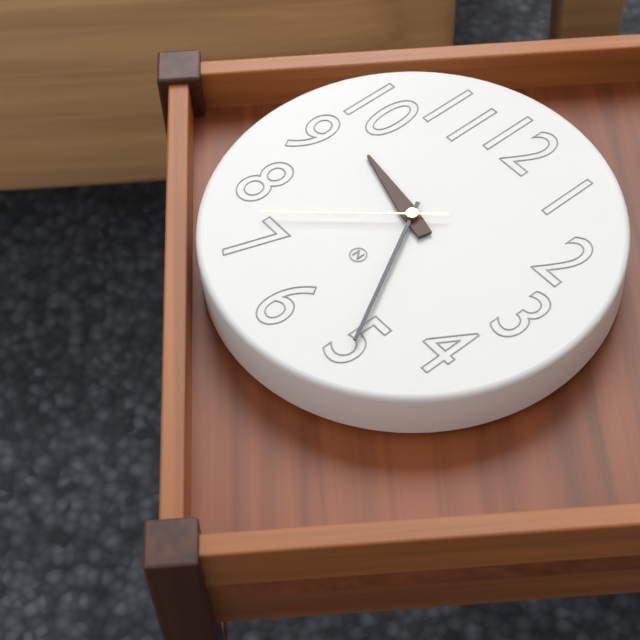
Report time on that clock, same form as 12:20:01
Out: 9:25:37
